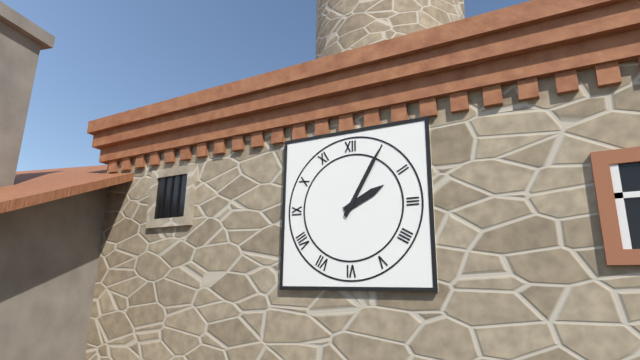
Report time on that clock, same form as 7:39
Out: 2:05
